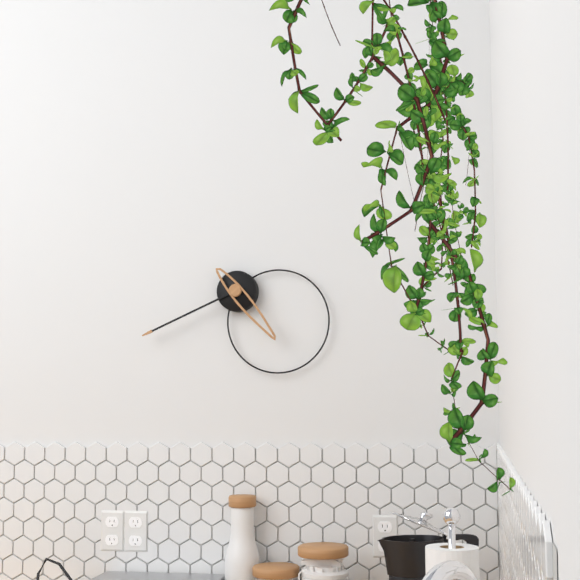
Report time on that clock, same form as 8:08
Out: 4:41
